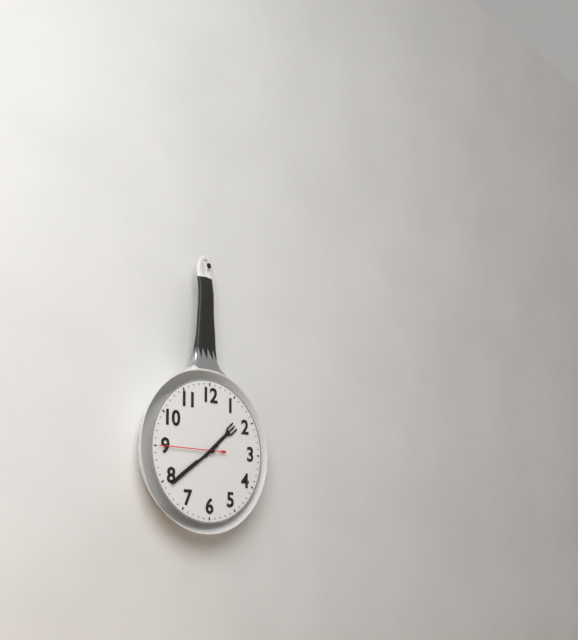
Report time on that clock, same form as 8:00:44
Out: 1:39:45
